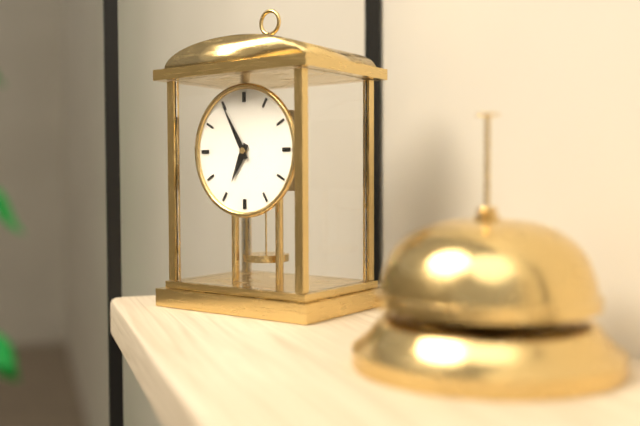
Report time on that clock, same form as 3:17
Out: 6:55
